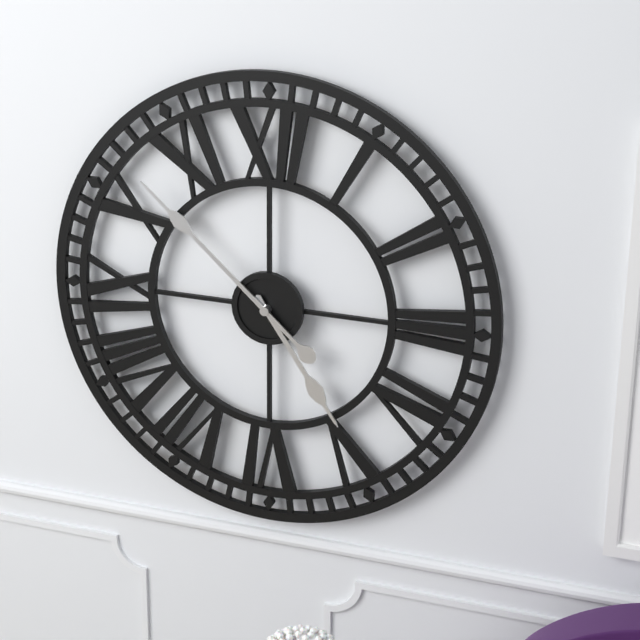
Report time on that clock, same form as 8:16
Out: 4:52
